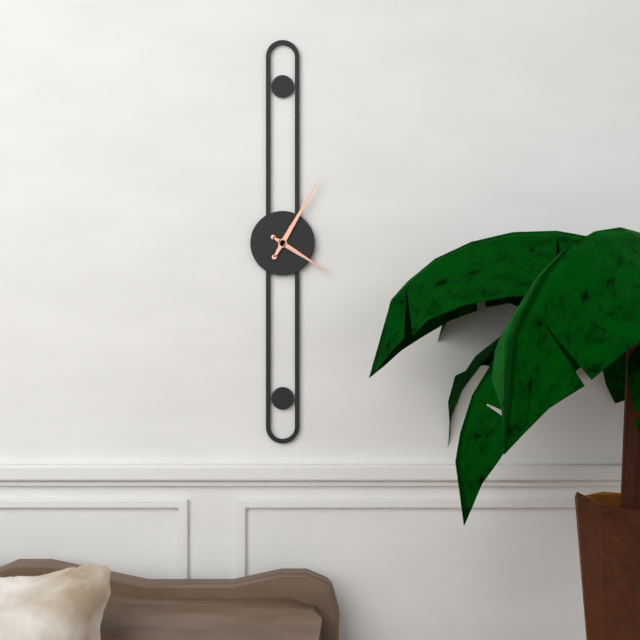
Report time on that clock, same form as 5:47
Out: 4:05
